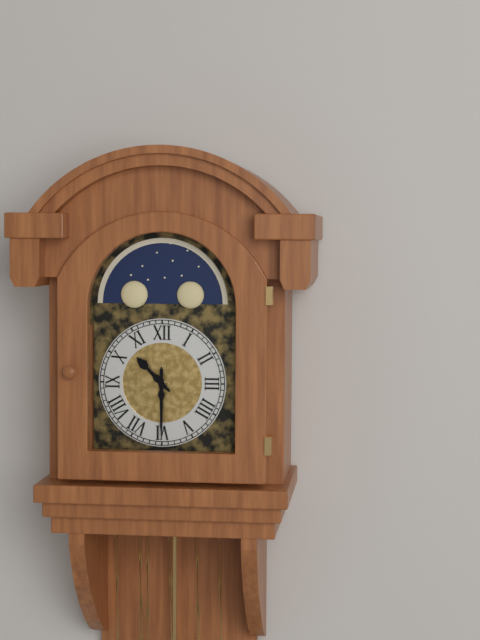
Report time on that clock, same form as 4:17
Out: 10:30
